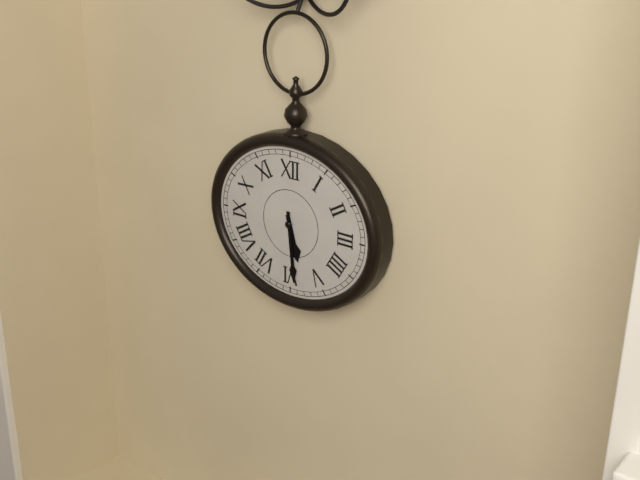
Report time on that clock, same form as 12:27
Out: 5:29
